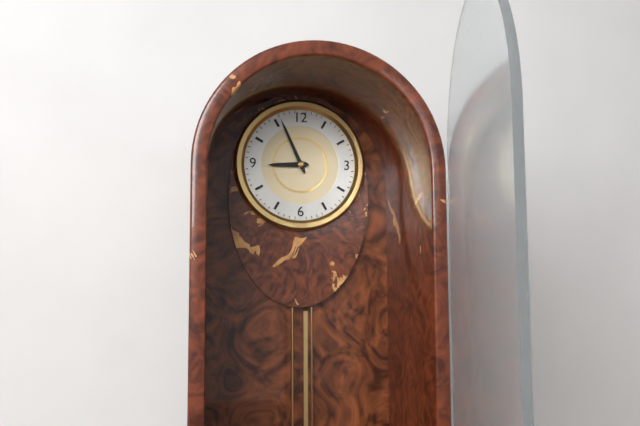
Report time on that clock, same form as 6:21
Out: 8:56
